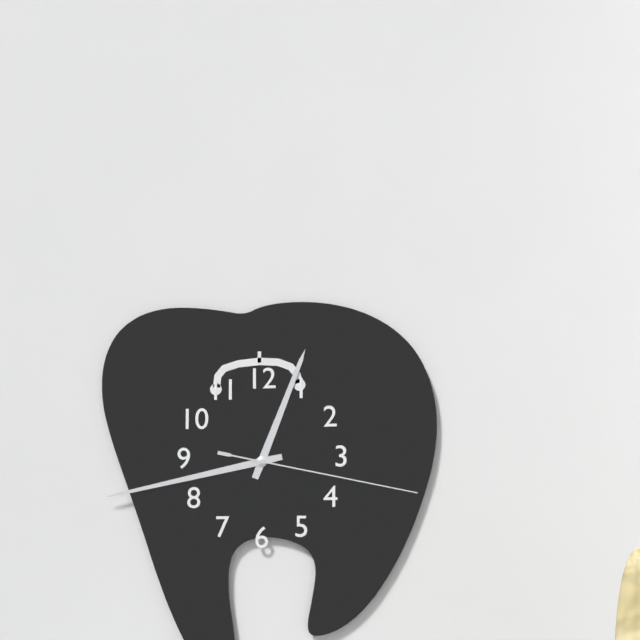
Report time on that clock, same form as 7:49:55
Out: 12:43:17
